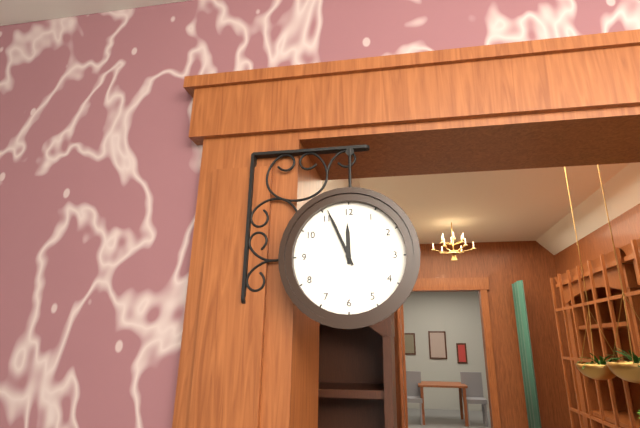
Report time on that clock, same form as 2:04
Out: 11:56
